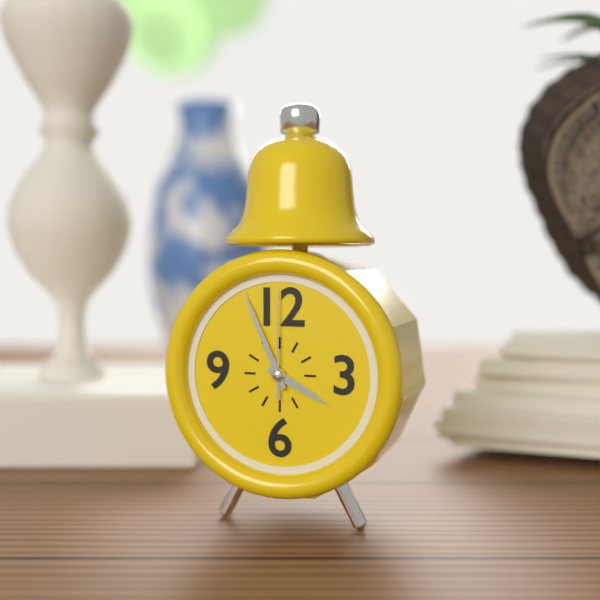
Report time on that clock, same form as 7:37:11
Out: 3:56:00
